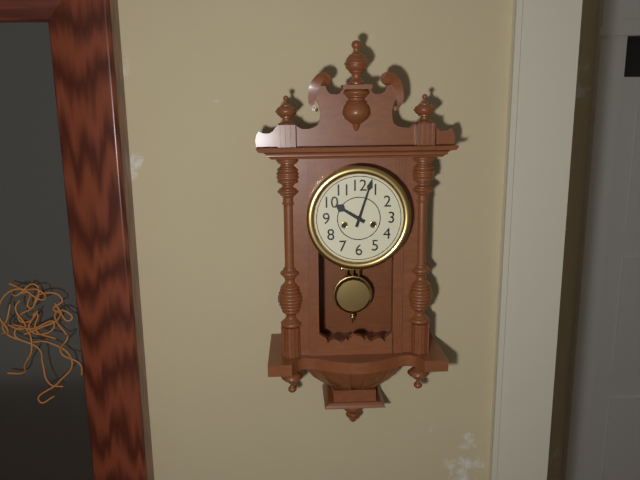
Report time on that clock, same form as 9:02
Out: 10:03
